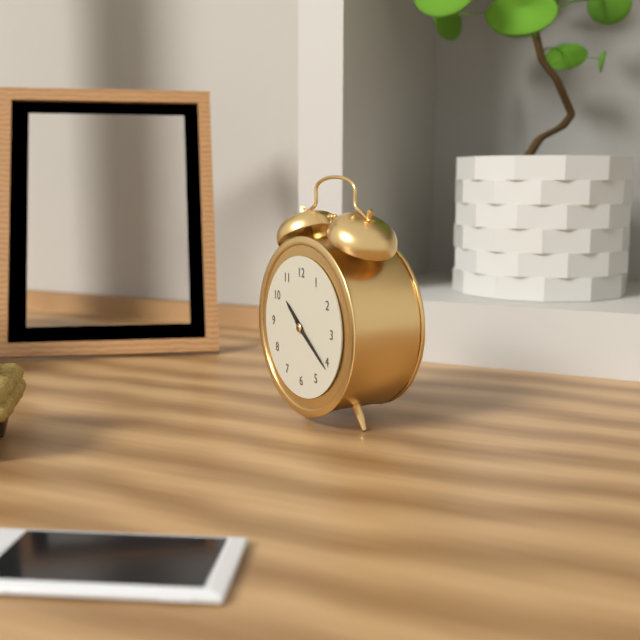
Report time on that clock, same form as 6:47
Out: 10:21
